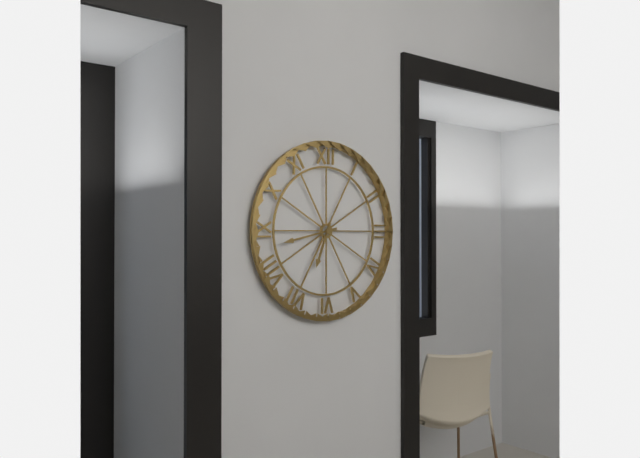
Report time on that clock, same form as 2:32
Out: 6:43
